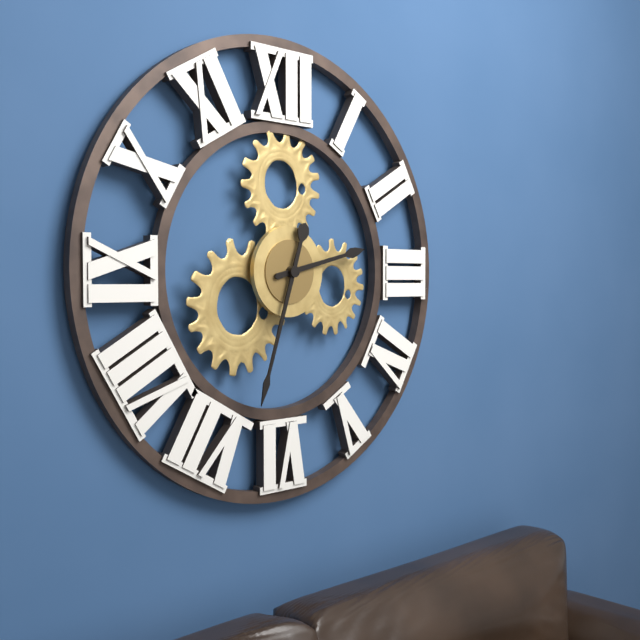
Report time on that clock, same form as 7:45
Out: 2:33
